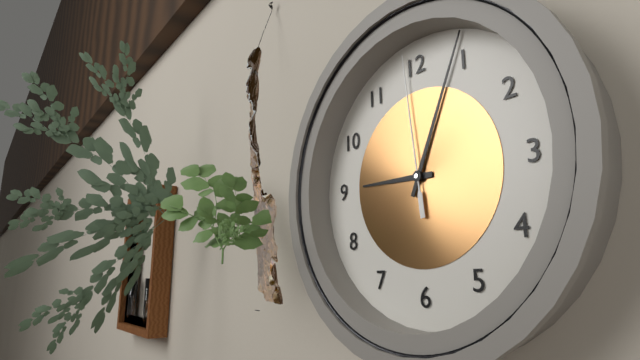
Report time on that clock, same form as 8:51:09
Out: 9:04:59
